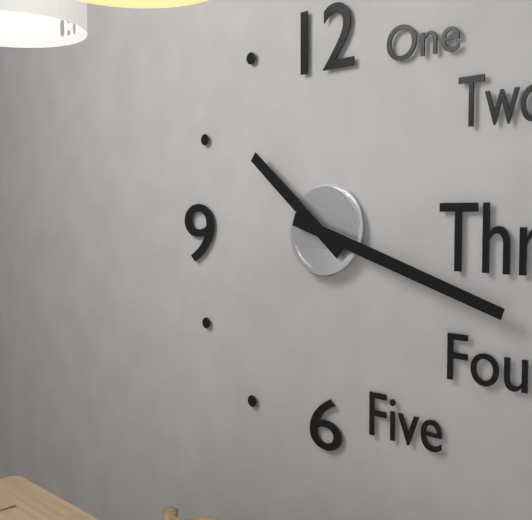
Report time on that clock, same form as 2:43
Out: 10:18
